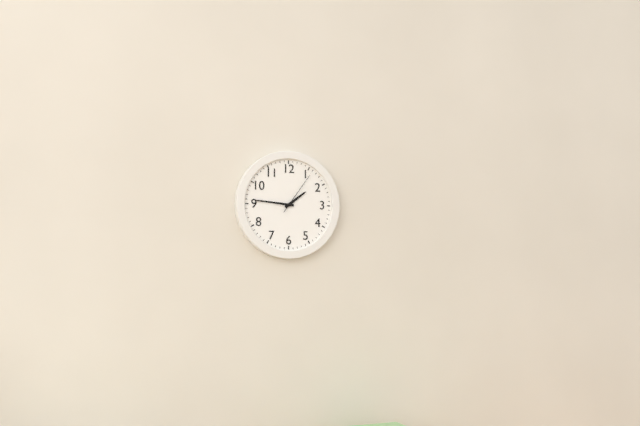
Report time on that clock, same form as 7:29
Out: 1:46
